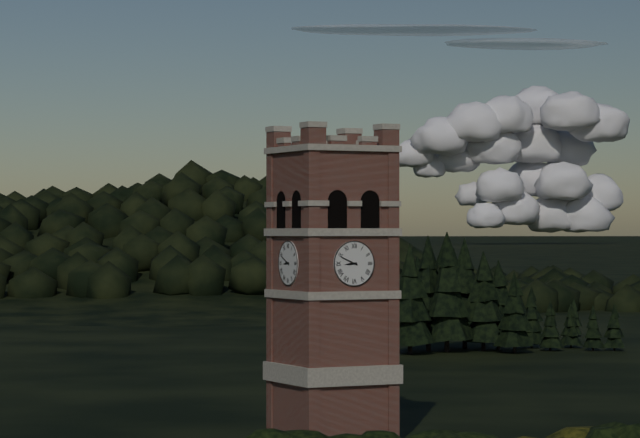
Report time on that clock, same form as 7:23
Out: 8:49
